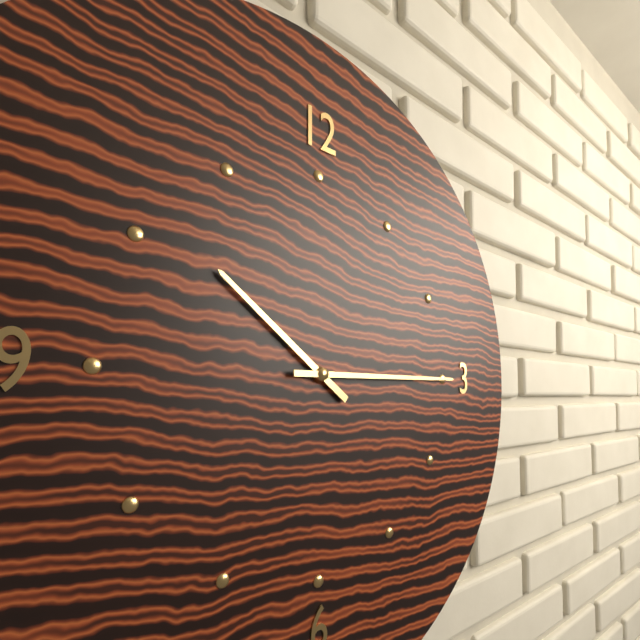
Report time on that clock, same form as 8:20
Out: 10:15
